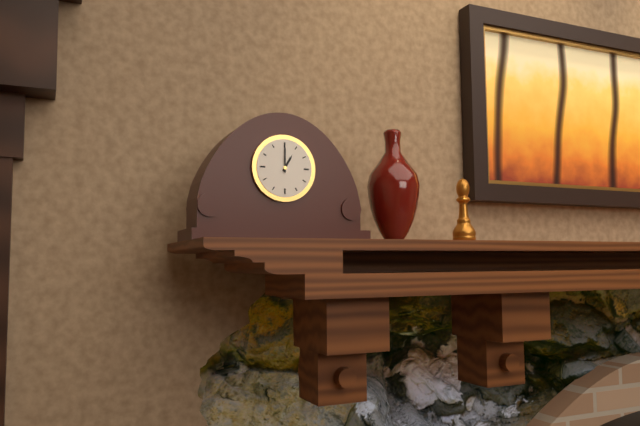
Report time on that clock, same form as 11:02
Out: 1:00
